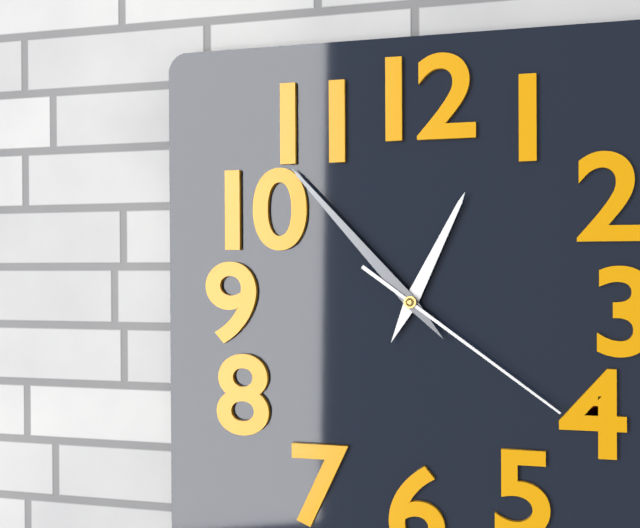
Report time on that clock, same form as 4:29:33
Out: 12:53:21
